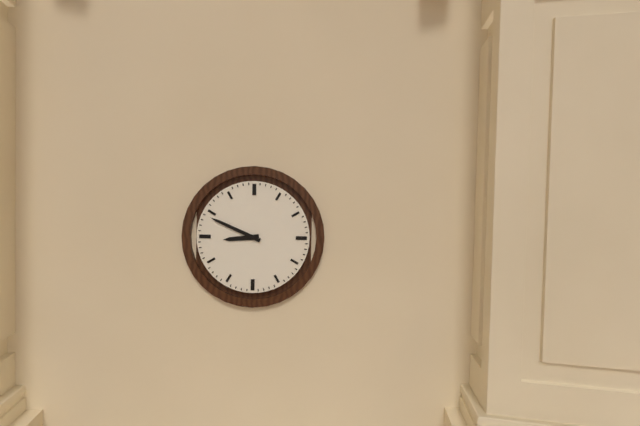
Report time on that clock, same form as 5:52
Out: 8:49
